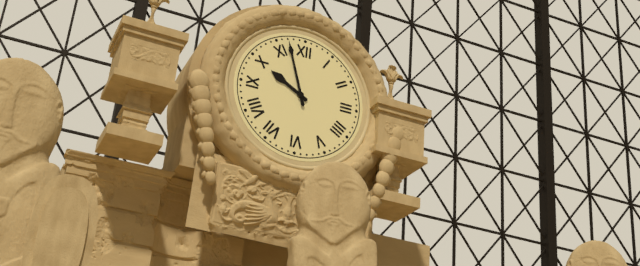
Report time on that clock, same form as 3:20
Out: 9:57
